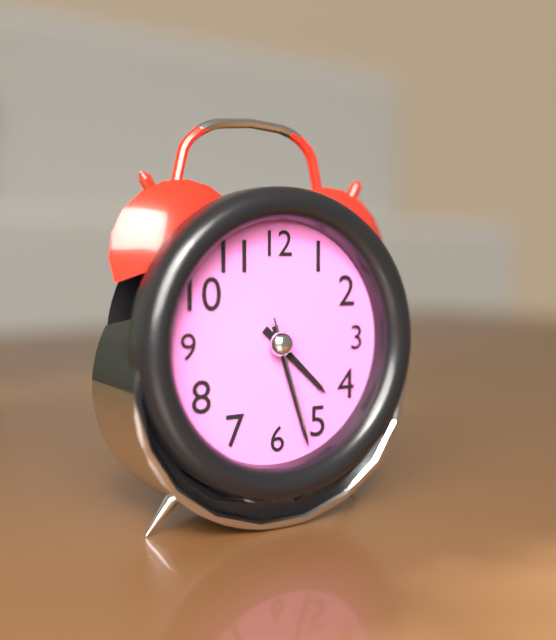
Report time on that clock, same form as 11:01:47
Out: 4:27:27
